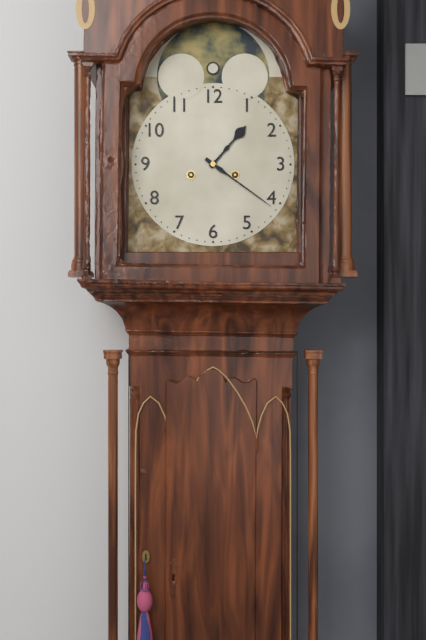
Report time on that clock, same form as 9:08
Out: 1:21
